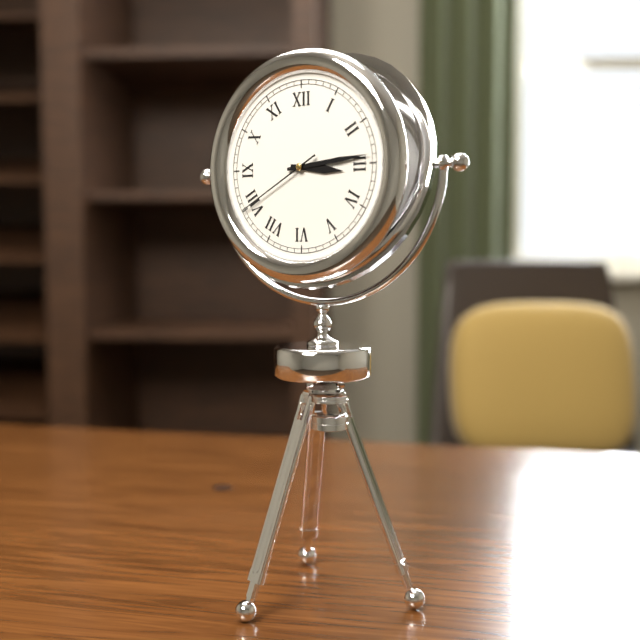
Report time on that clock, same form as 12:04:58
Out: 3:14:40
